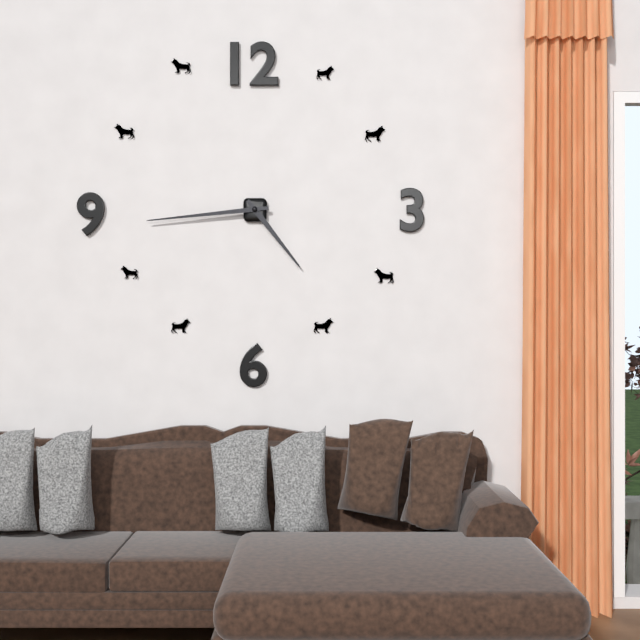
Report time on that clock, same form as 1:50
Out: 4:44
